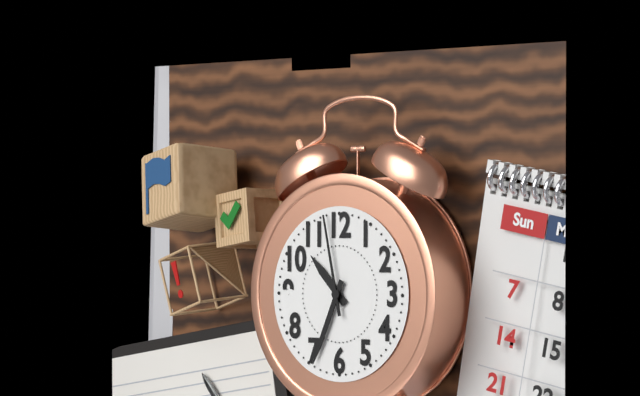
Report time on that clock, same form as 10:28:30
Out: 10:34:58
